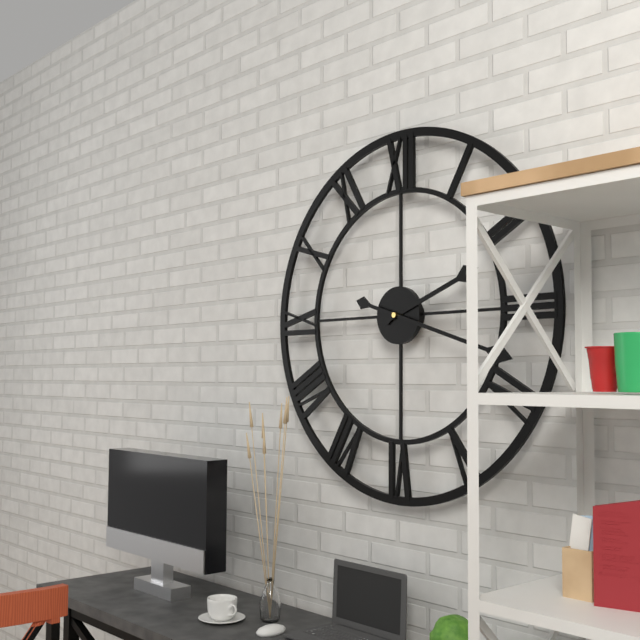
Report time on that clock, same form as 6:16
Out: 2:18
